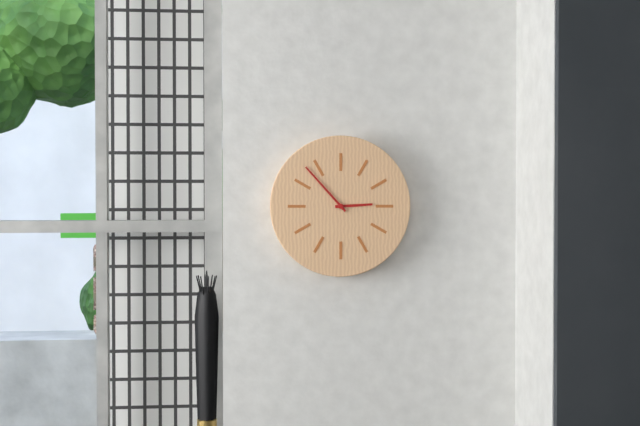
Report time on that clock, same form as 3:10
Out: 2:53
